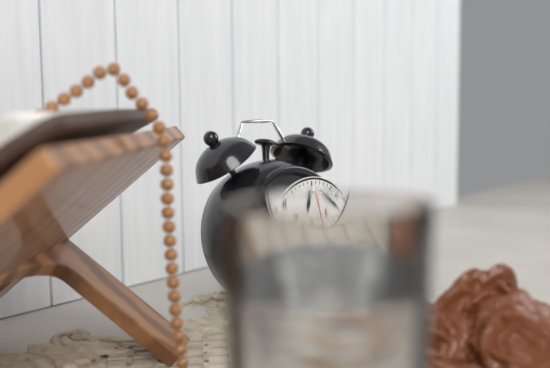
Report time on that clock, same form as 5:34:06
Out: 6:22:27
